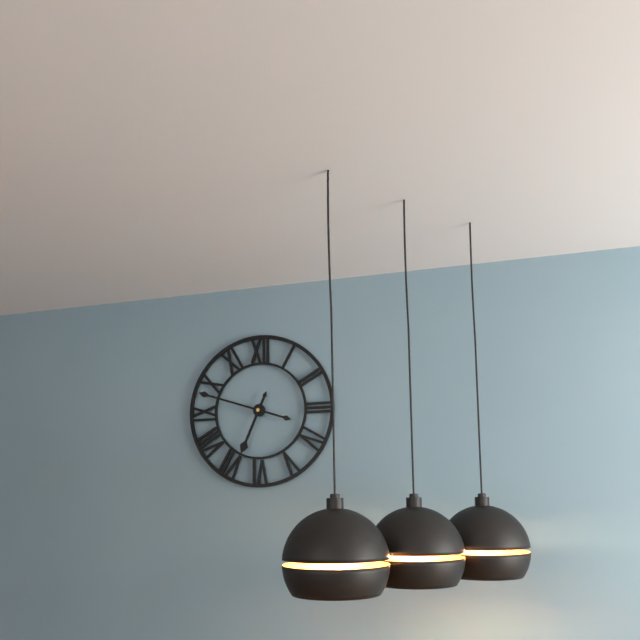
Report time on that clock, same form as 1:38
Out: 6:48
